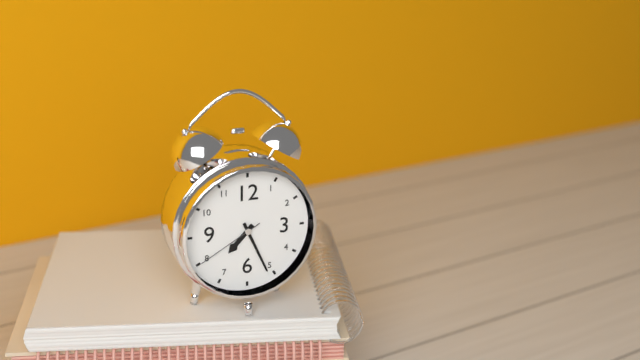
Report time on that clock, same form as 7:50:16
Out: 7:26:40
